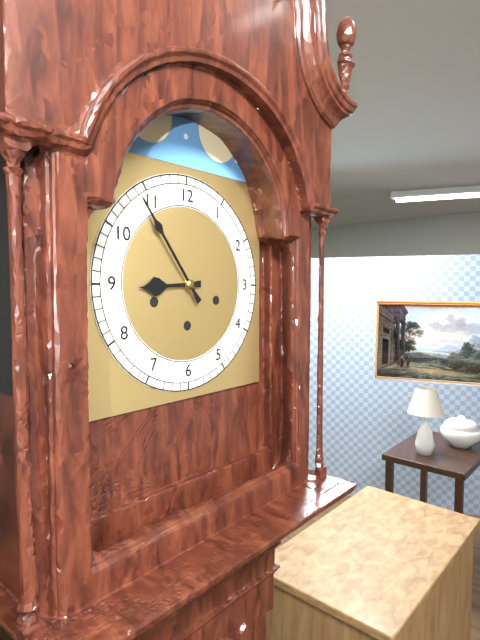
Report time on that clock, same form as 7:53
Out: 8:54
